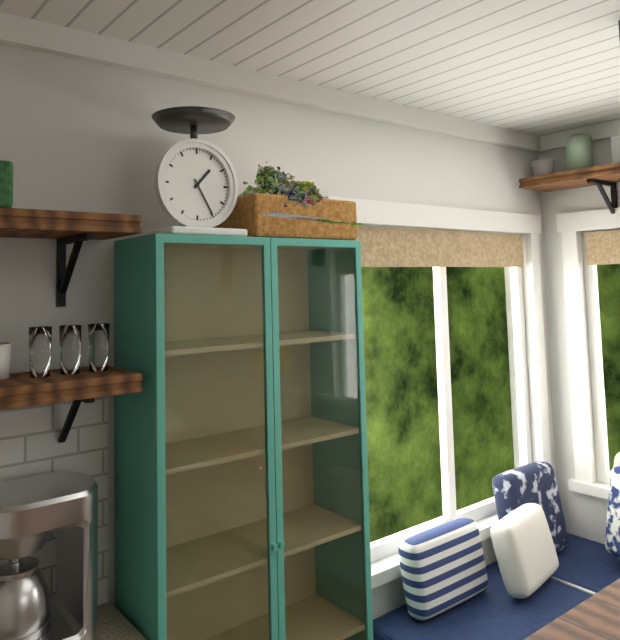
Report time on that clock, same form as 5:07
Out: 1:25
